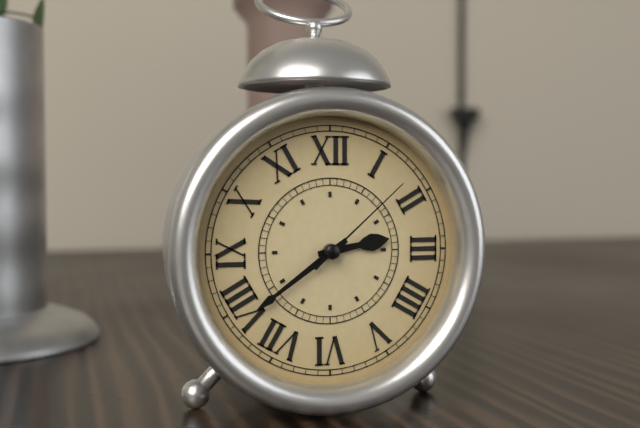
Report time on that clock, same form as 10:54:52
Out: 2:39:08
